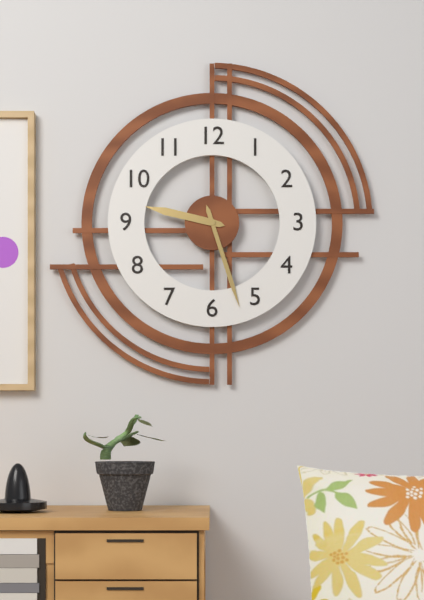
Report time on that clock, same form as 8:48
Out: 9:27
